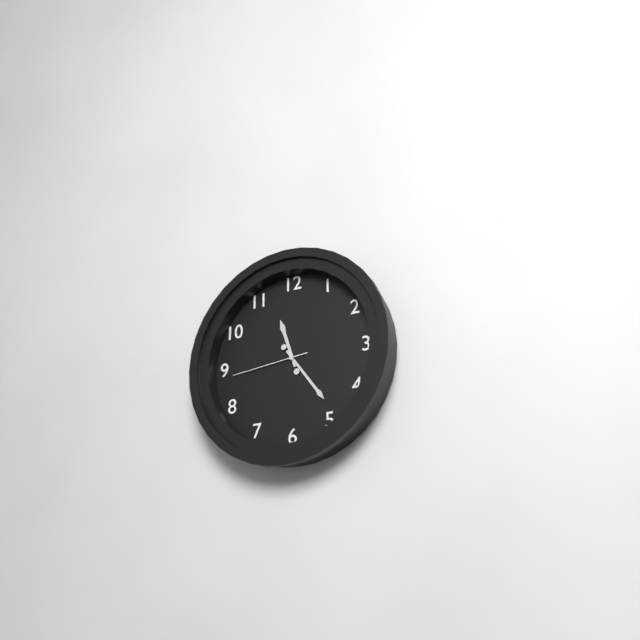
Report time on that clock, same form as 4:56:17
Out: 11:24:44
